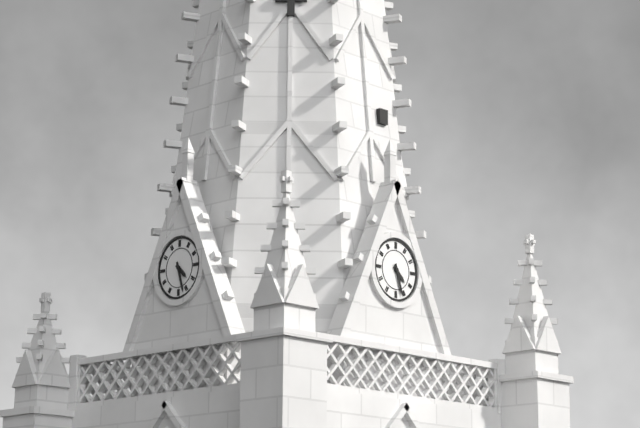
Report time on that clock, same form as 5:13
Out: 4:27
